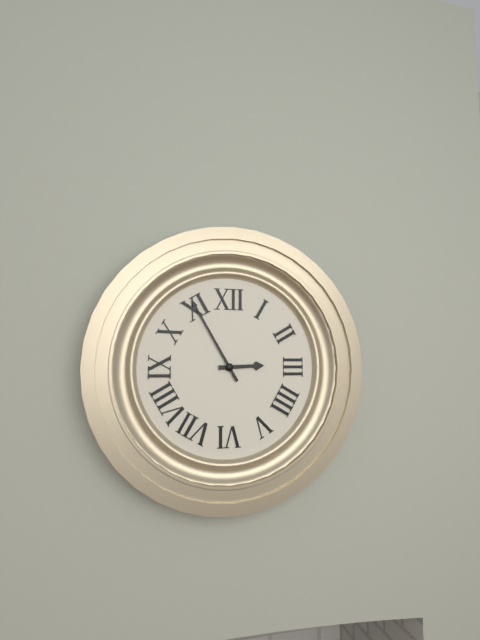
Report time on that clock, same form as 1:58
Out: 2:55
